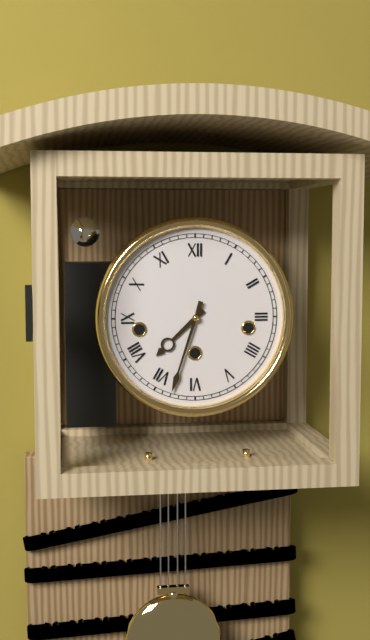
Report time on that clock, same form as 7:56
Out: 7:33
